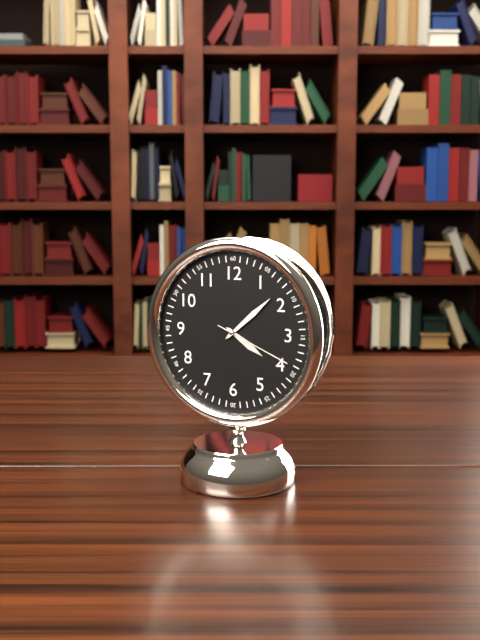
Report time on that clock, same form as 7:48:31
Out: 4:08:19
